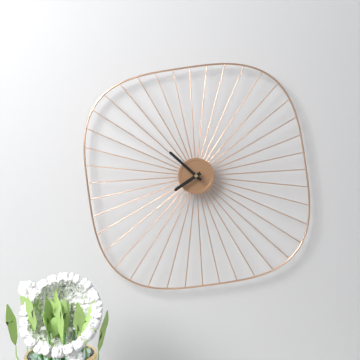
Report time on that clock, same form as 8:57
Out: 7:52
